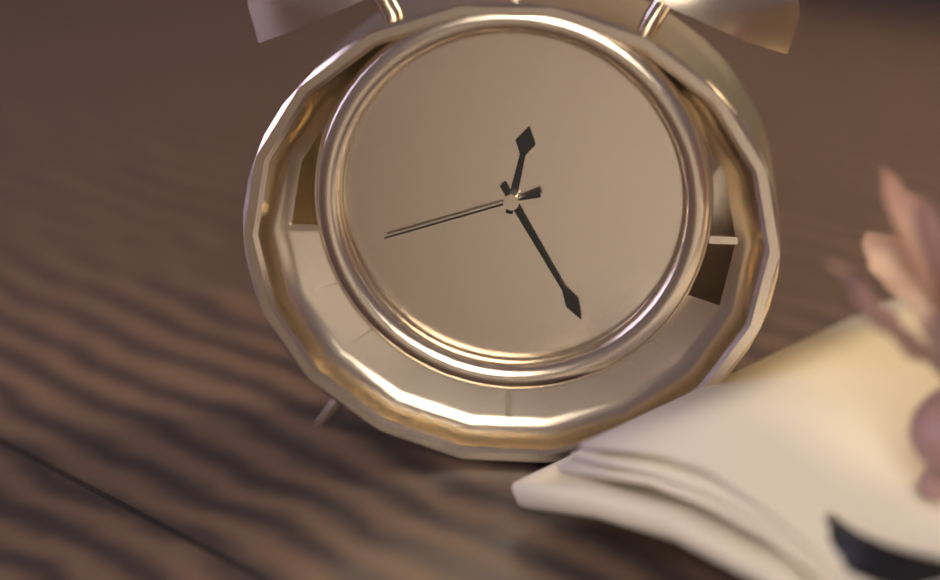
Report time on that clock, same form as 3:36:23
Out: 12:25:42
